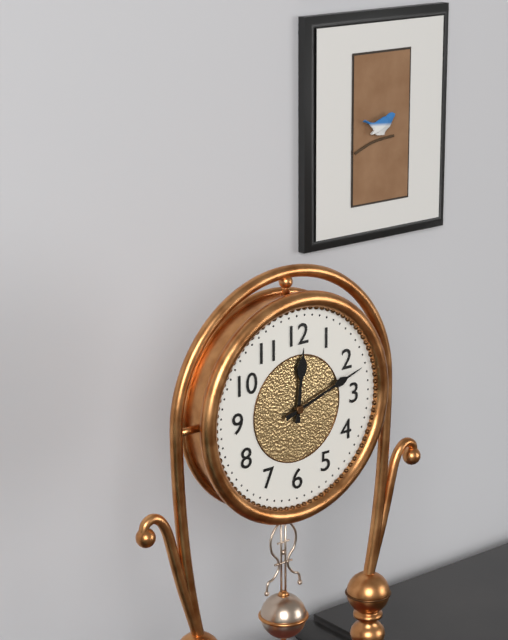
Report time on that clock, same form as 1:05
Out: 12:12
